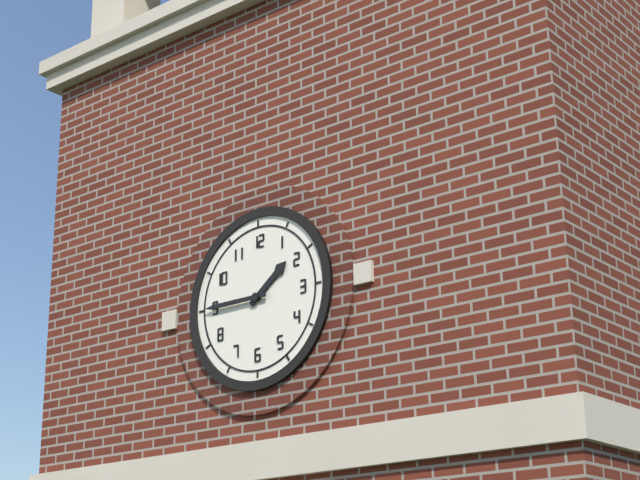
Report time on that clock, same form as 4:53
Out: 1:45
